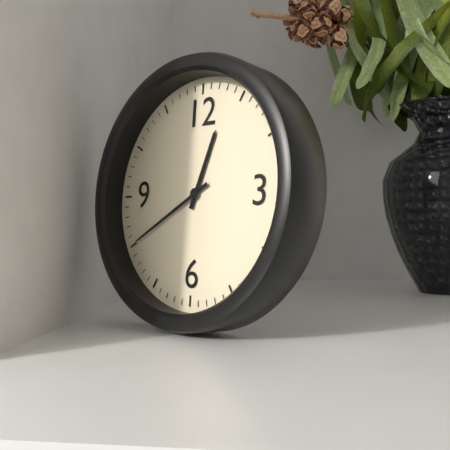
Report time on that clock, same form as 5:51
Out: 12:40
